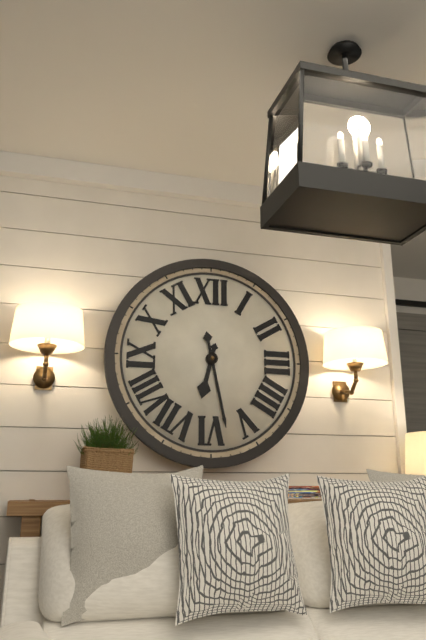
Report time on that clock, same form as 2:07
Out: 6:28
